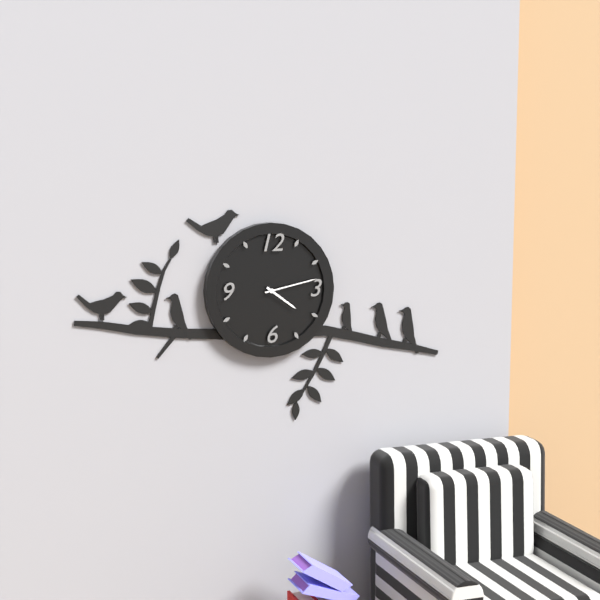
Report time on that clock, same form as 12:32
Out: 4:13
